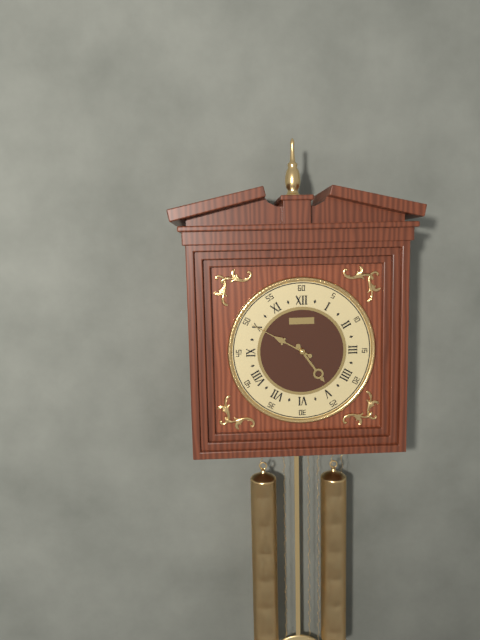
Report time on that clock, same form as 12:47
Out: 4:50
